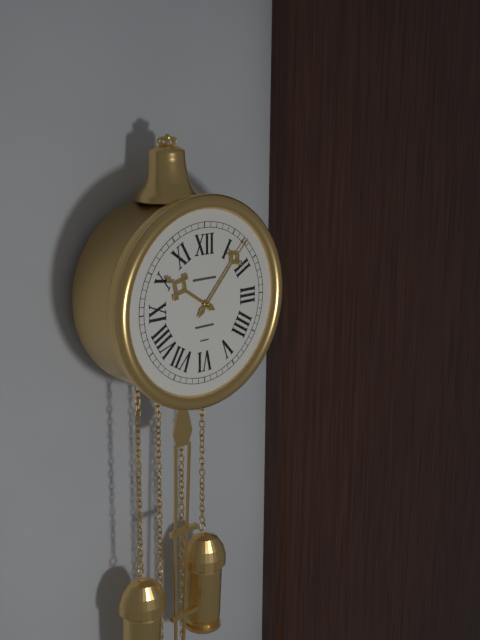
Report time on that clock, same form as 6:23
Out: 10:07
